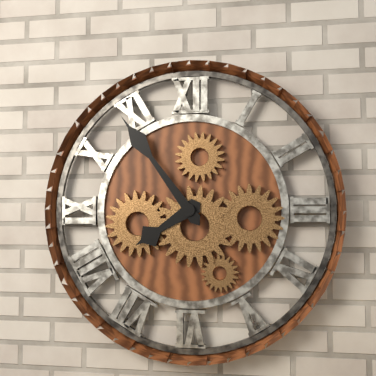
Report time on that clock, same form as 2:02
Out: 7:54
